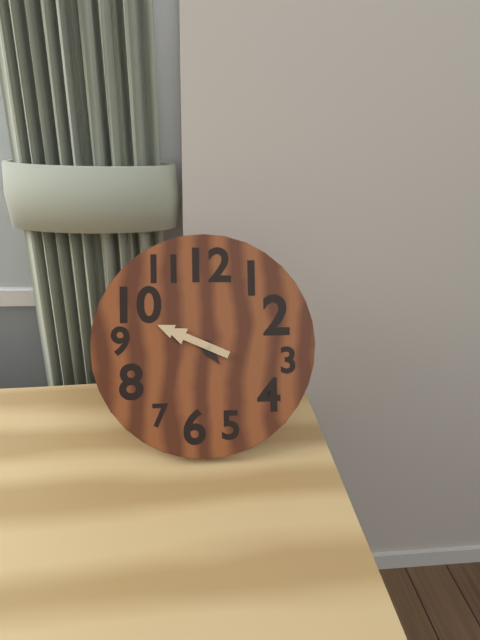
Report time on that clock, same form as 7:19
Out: 4:49
